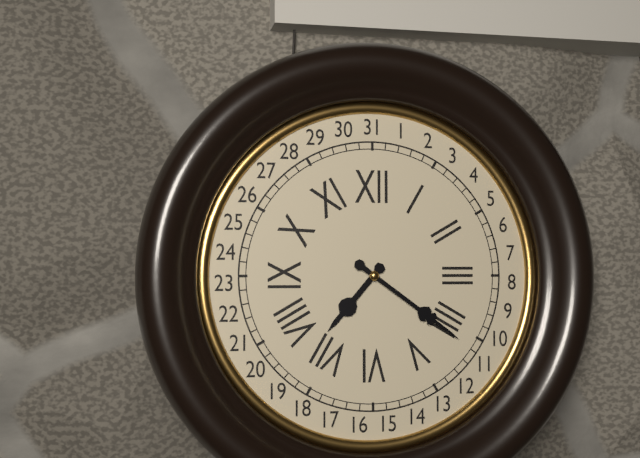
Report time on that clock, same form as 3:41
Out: 7:21
